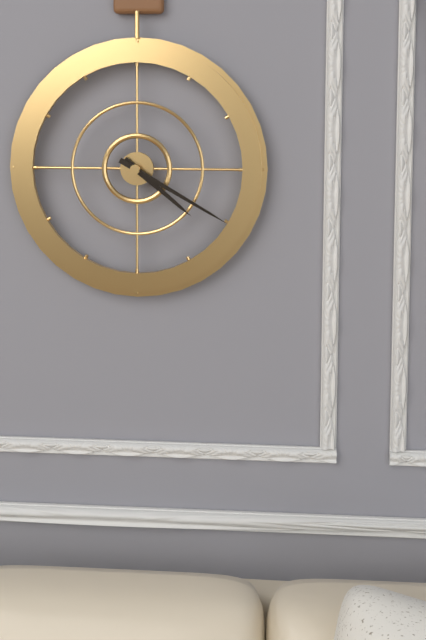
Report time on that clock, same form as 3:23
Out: 4:20
